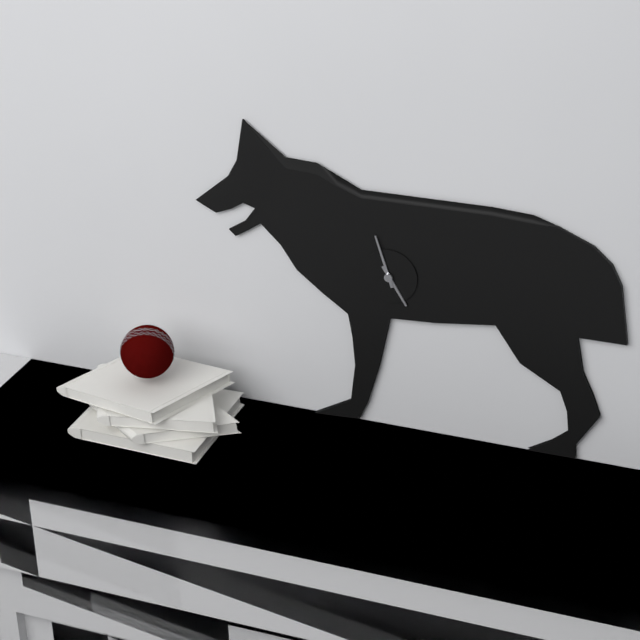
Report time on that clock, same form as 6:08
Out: 4:57
